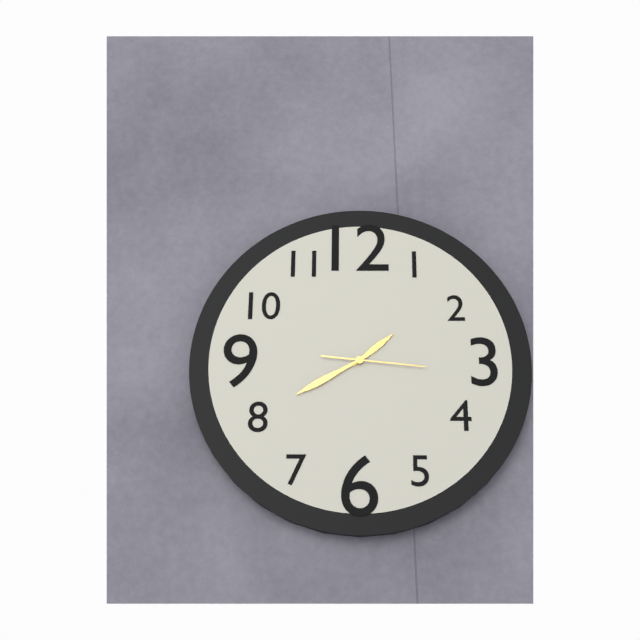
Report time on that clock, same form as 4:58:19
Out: 1:40:16
